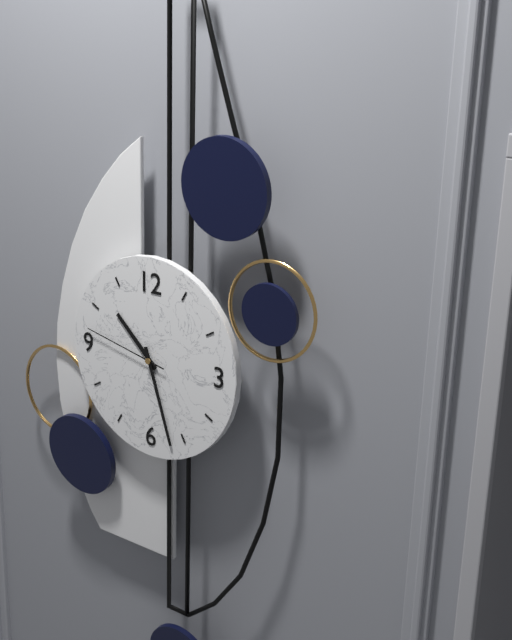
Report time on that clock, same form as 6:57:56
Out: 10:27:47
